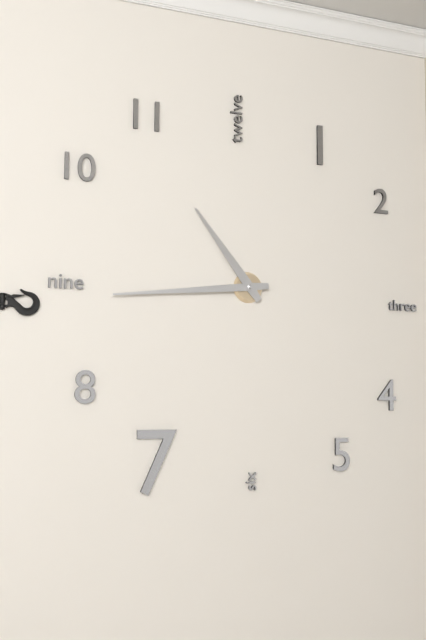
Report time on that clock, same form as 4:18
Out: 10:44
